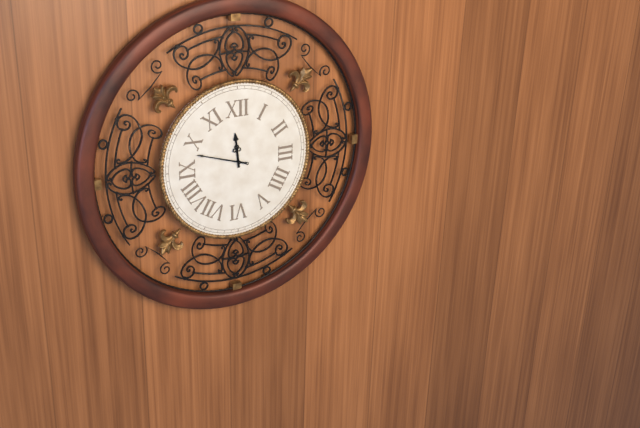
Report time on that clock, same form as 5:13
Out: 11:48
